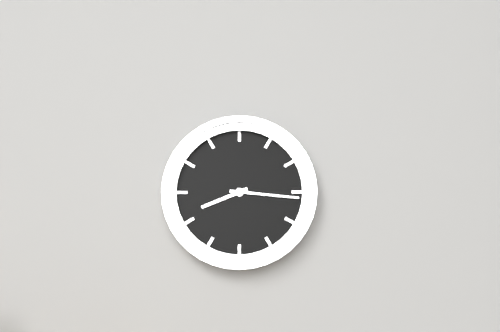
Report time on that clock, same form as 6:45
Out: 8:16
